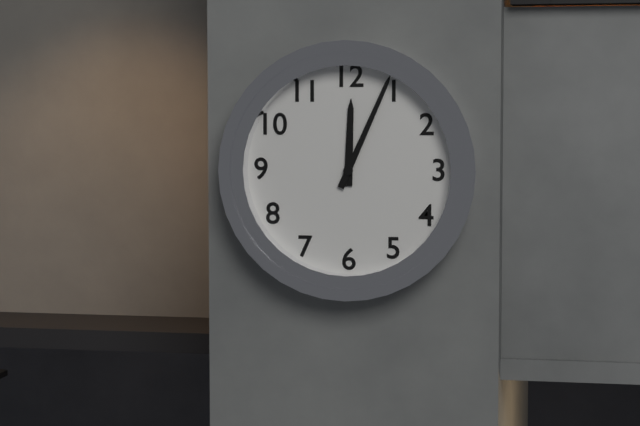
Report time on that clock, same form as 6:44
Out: 12:04
